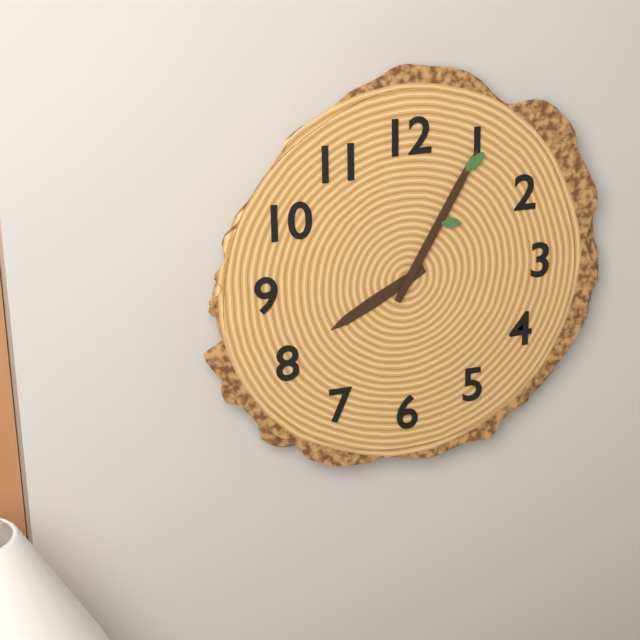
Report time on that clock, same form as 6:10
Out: 8:05
